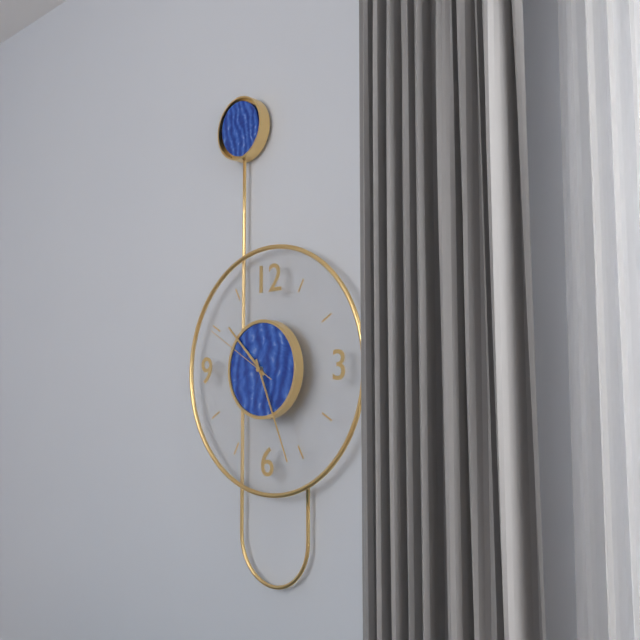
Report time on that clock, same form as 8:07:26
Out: 10:26:50
